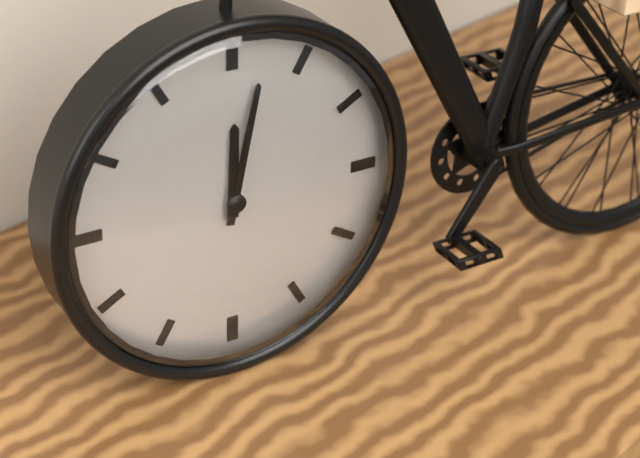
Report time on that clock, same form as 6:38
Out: 12:02
